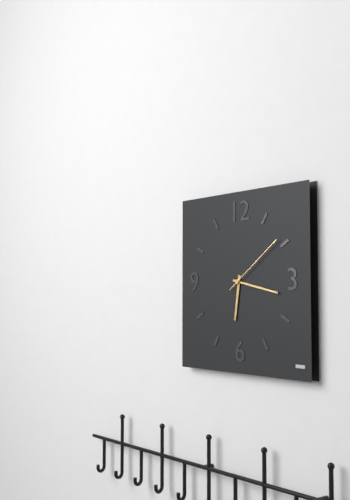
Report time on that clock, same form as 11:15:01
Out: 6:17:09
